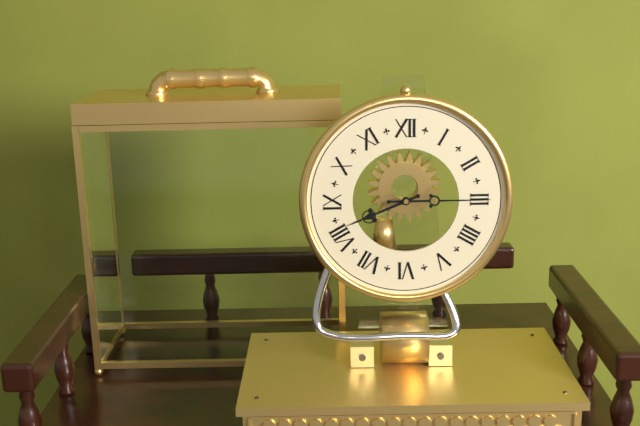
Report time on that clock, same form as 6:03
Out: 8:15
